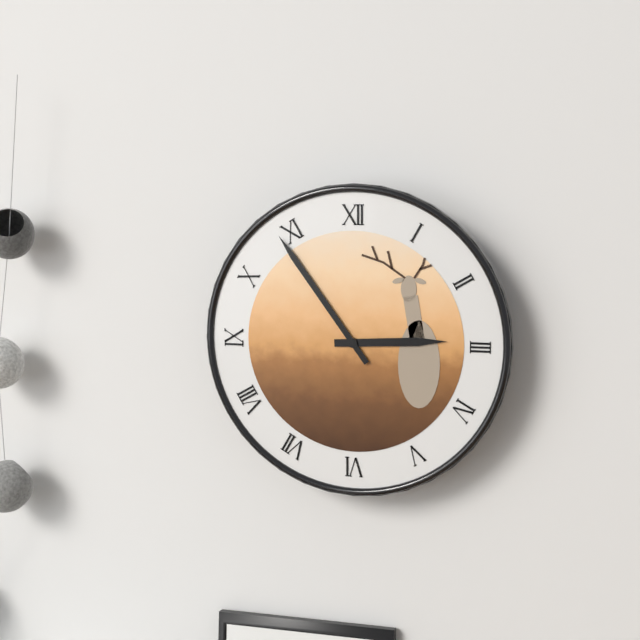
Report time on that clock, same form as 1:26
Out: 2:54
